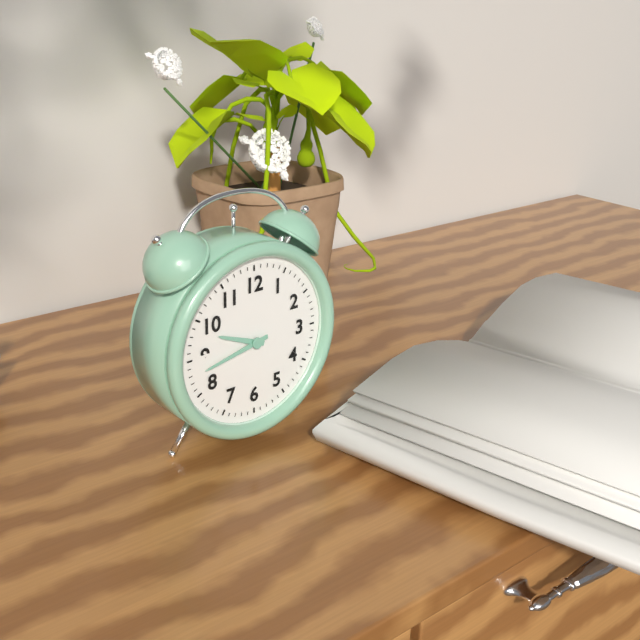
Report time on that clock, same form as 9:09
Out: 9:43
